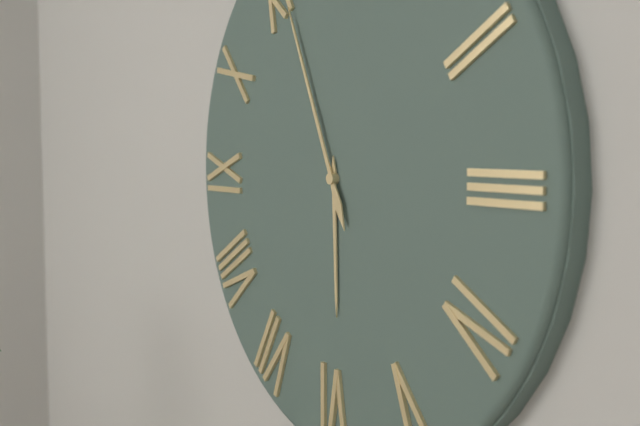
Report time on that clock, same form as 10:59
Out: 5:56
